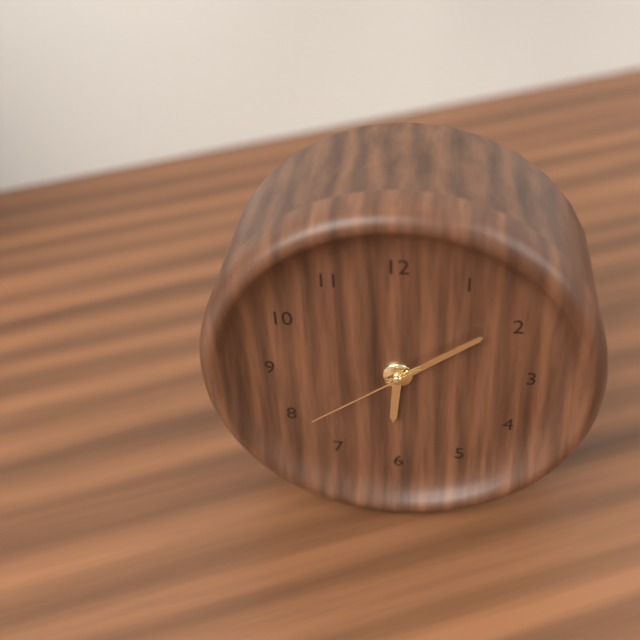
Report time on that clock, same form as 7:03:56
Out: 6:09:39
